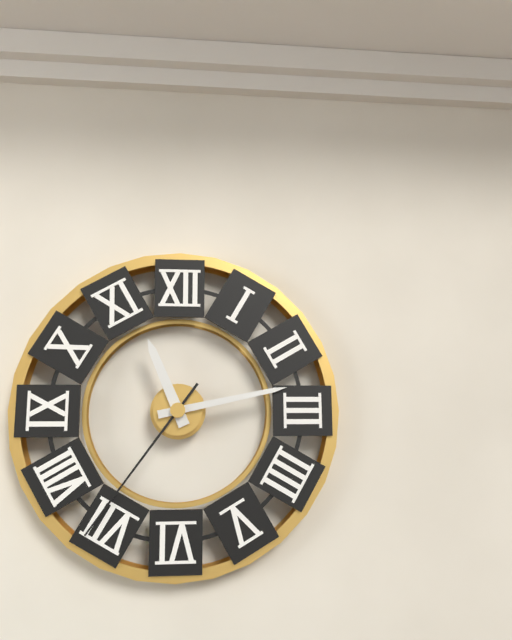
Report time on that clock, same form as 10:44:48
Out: 11:13:36
